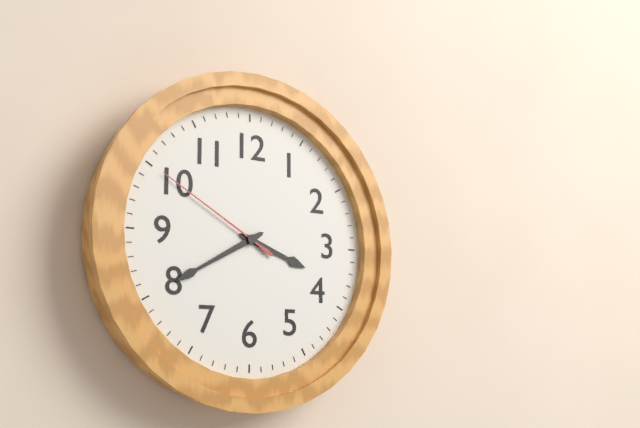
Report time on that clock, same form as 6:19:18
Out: 3:40:50
